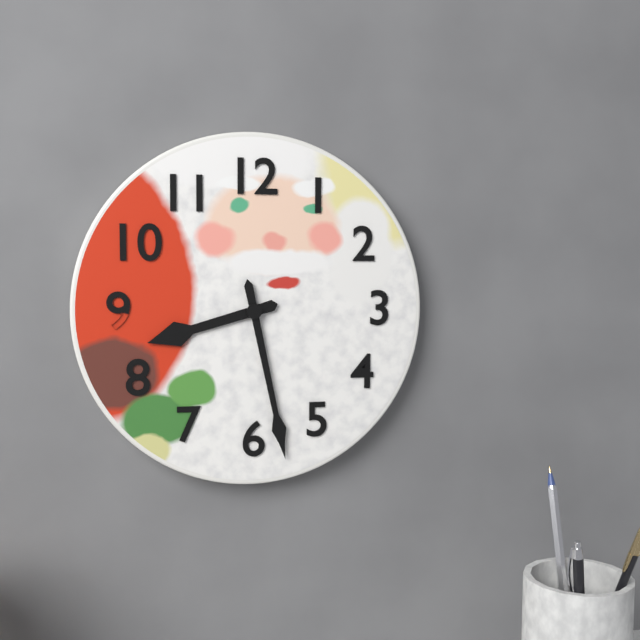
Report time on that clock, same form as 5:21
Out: 8:28
